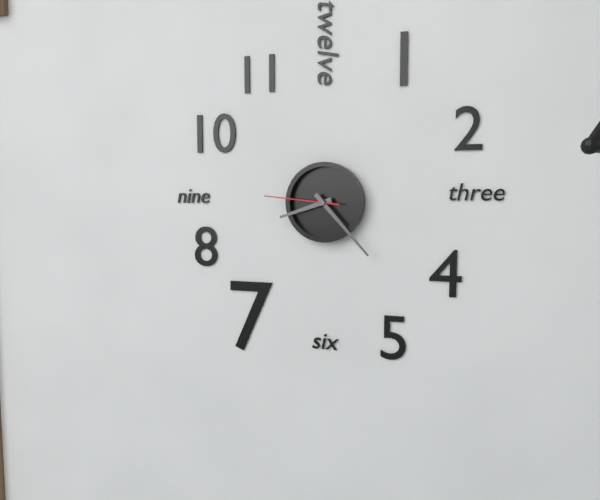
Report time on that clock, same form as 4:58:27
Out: 8:23:46
